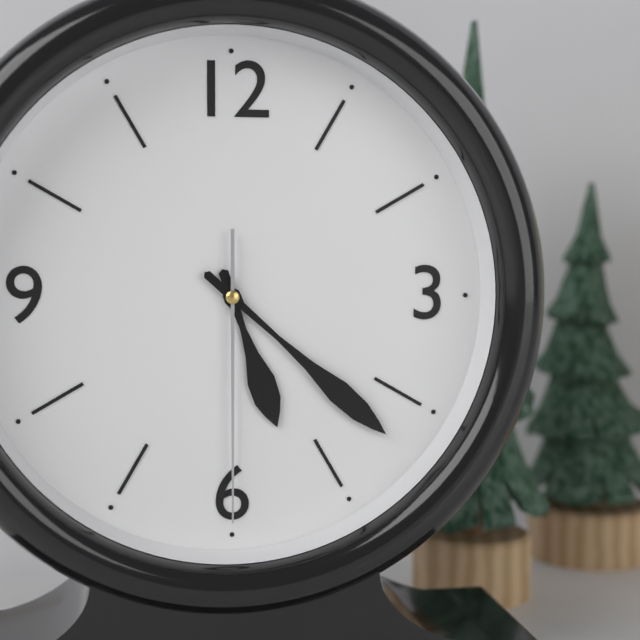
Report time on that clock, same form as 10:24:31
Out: 5:22:30
